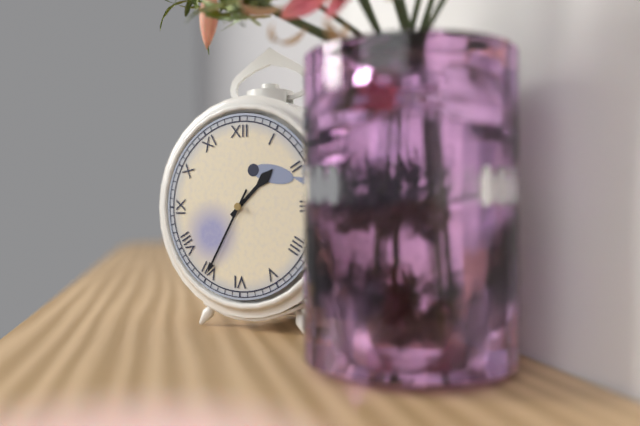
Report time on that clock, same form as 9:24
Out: 1:35
